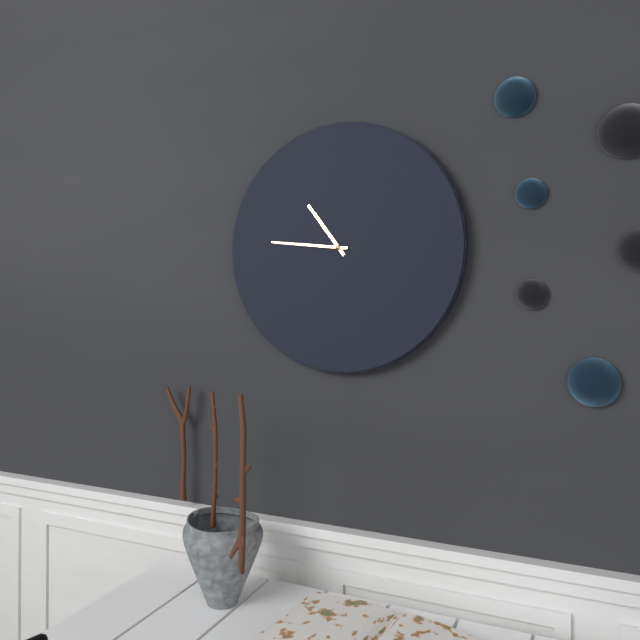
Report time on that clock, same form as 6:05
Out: 10:46
